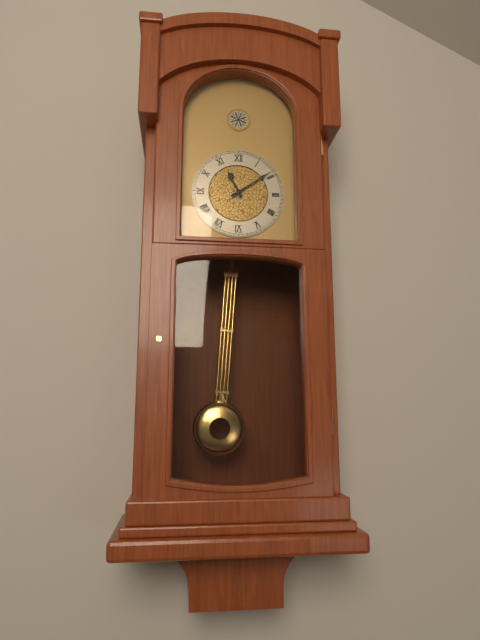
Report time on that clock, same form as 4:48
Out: 11:09
